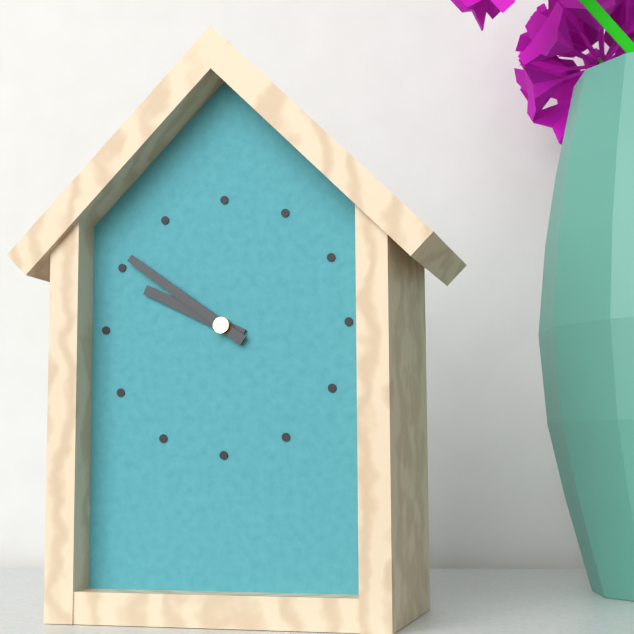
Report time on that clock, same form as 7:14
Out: 9:51
